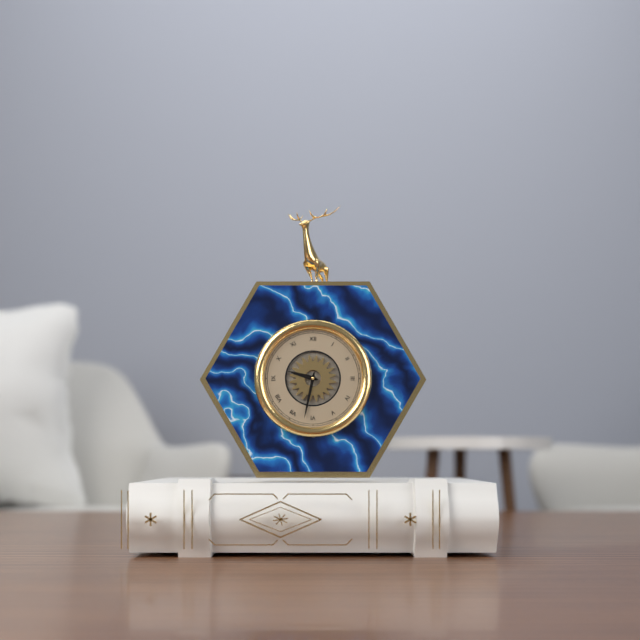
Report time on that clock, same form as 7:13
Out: 9:32
